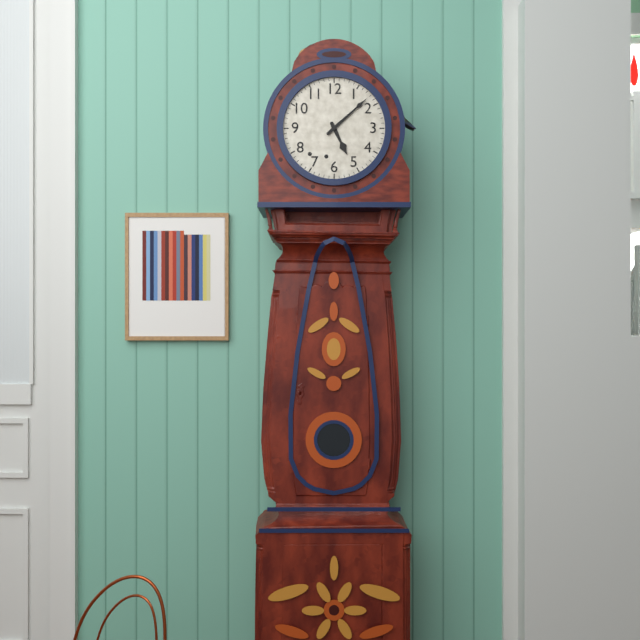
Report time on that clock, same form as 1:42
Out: 5:08
